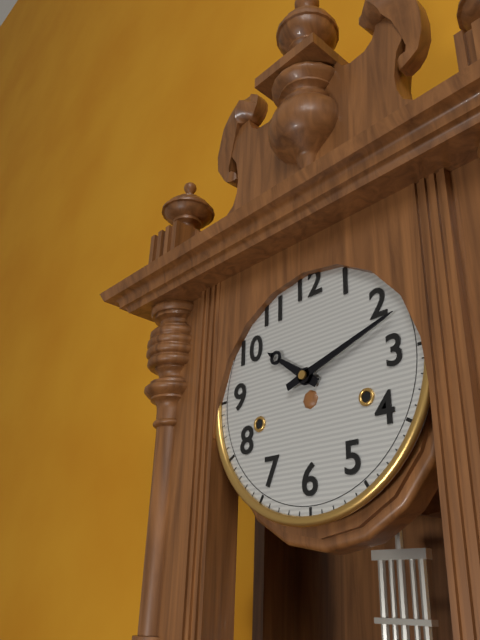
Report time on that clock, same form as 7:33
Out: 10:12
